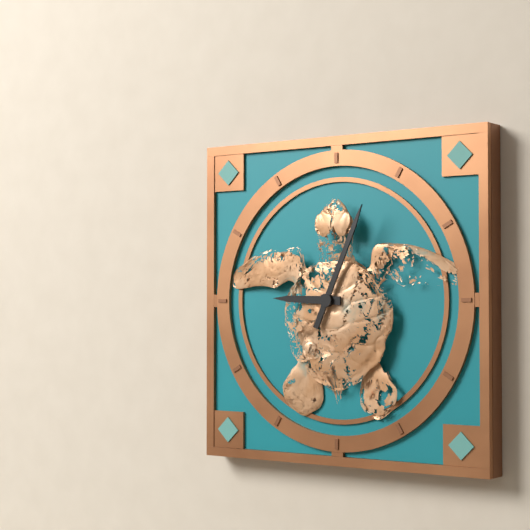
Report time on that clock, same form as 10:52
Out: 9:04
